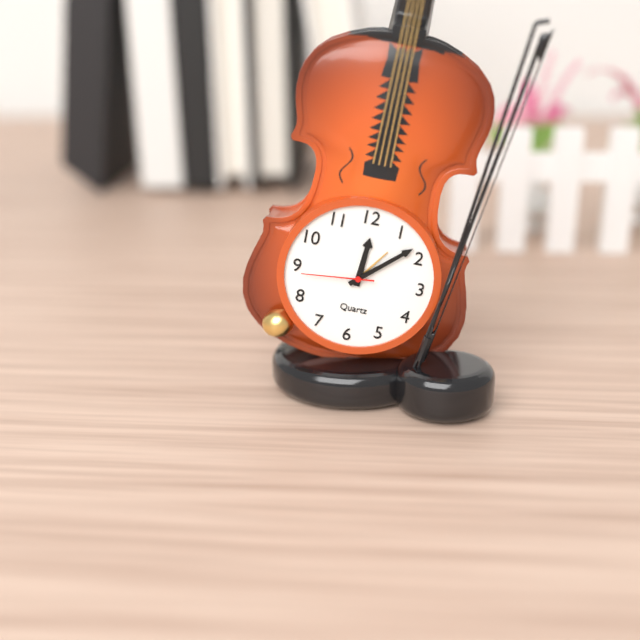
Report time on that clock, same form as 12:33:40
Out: 12:08:44
